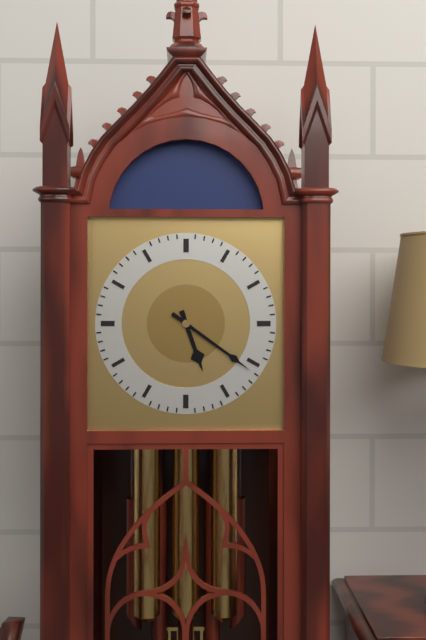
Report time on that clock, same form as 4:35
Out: 5:21
